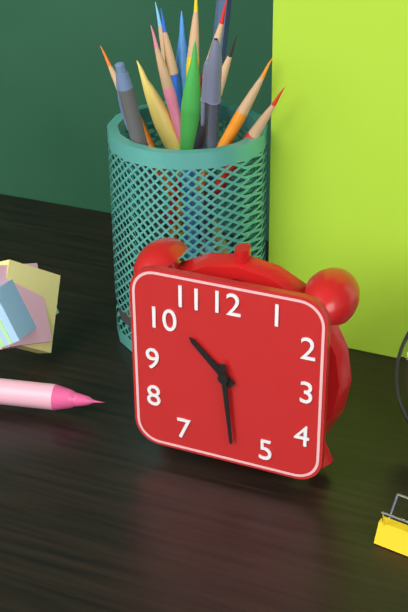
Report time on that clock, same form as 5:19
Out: 10:29
